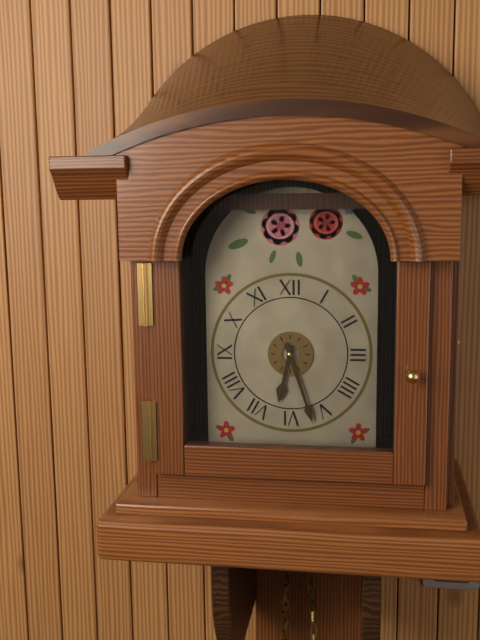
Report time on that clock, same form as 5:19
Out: 6:27
